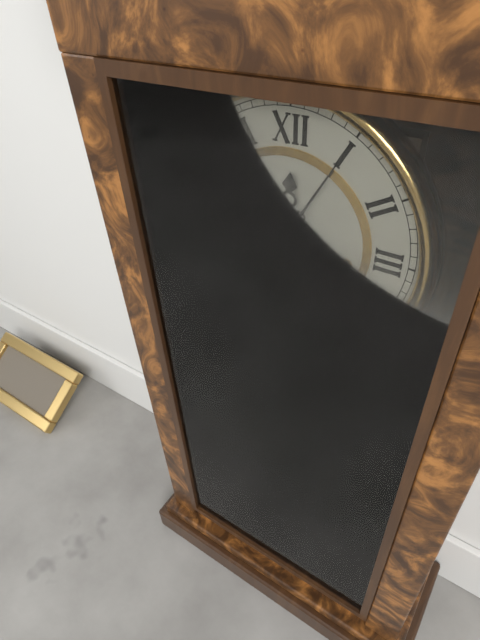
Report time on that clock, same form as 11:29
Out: 12:05
